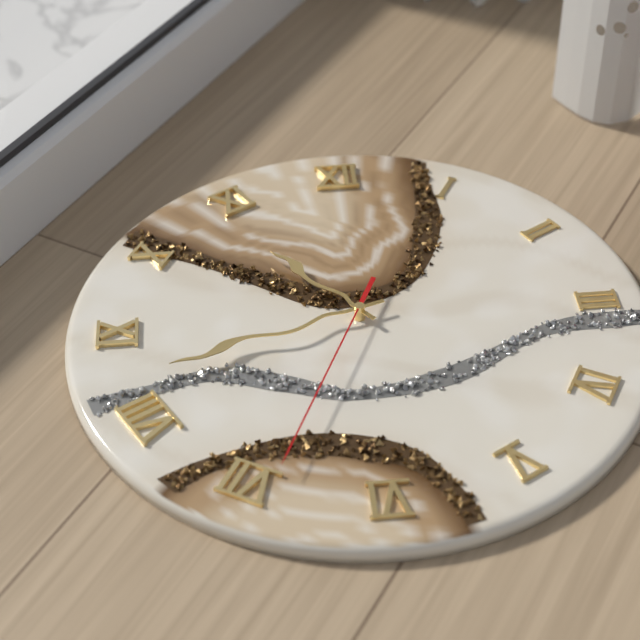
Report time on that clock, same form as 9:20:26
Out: 10:42:34
